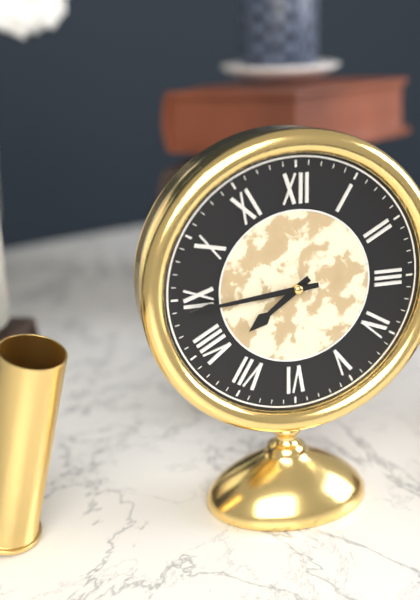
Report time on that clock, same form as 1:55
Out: 7:44
